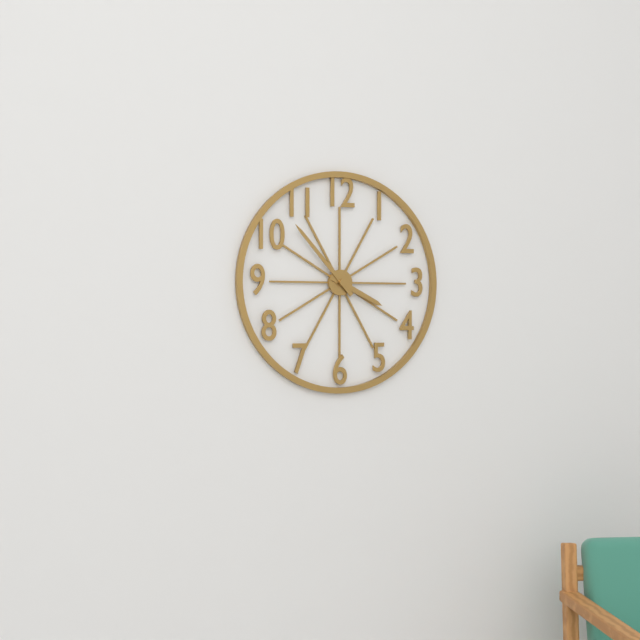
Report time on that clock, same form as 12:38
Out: 3:53
